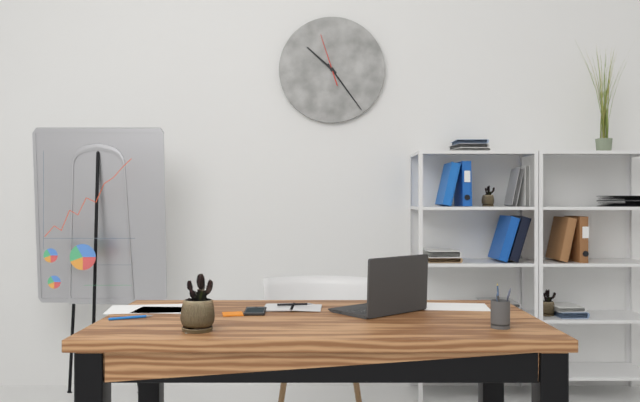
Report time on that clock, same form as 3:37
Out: 10:24
